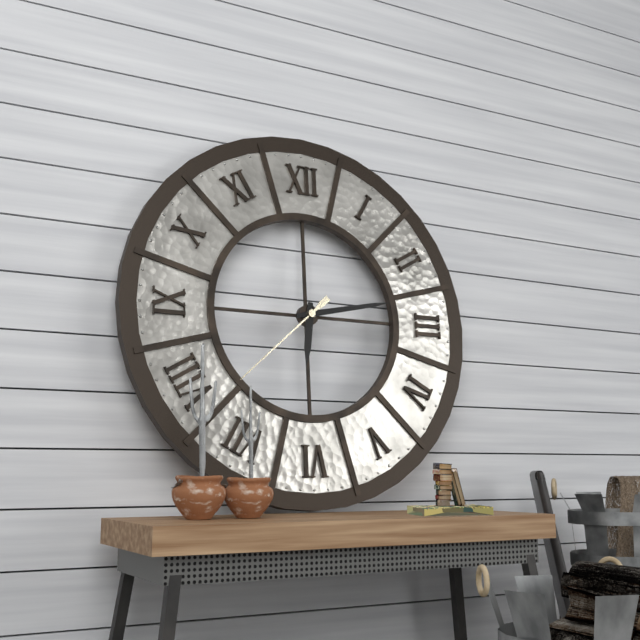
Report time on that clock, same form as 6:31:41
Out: 6:13:38
